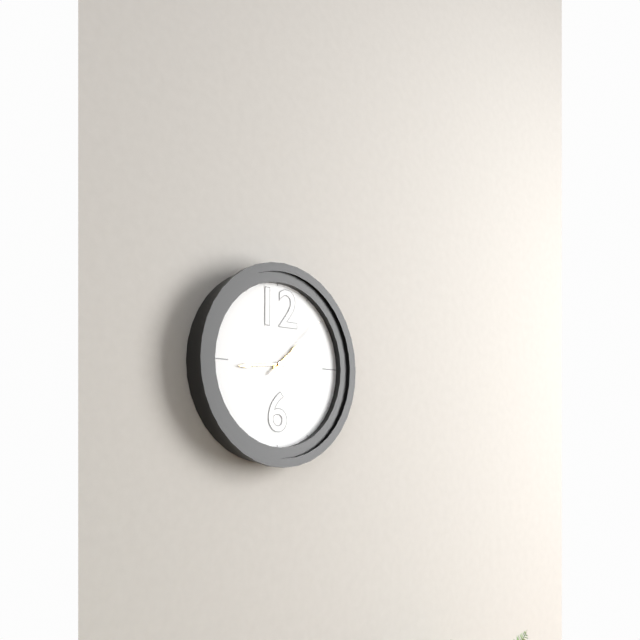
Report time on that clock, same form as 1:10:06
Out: 1:44:08
